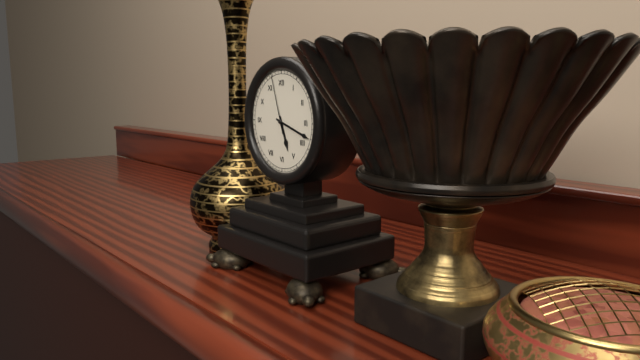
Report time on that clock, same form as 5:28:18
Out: 5:18:57
